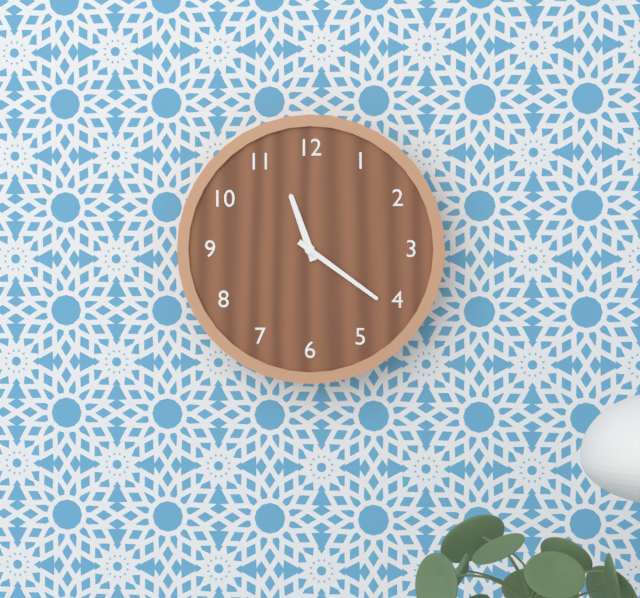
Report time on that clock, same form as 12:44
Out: 11:21
